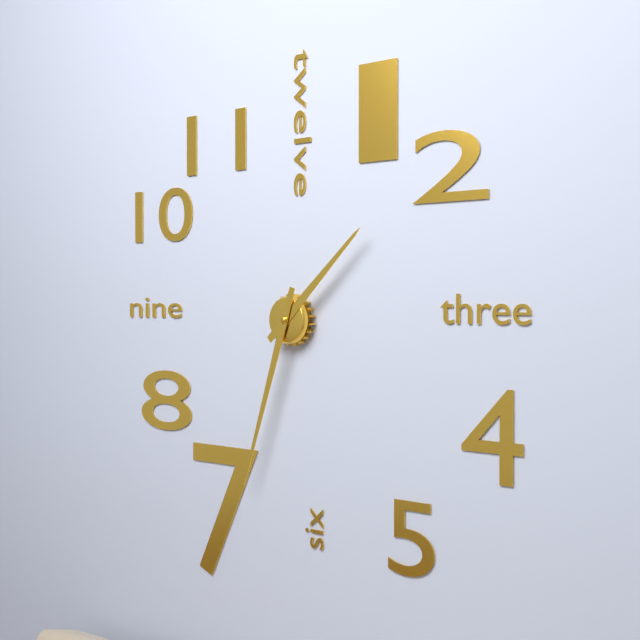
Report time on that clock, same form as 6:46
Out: 1:33
